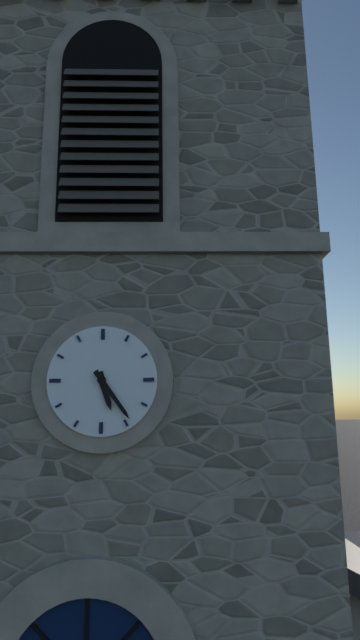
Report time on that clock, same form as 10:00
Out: 5:24
